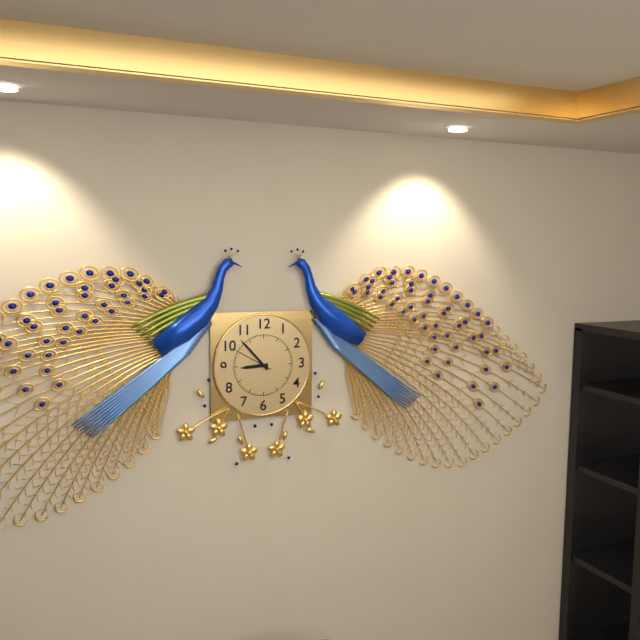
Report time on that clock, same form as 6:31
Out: 8:53
